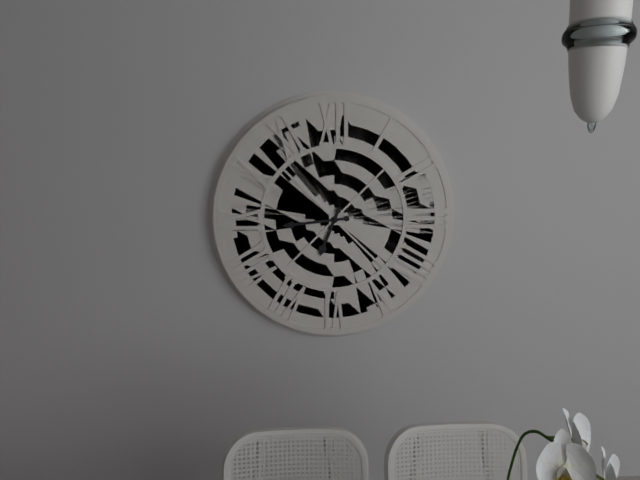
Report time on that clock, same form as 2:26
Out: 6:44
